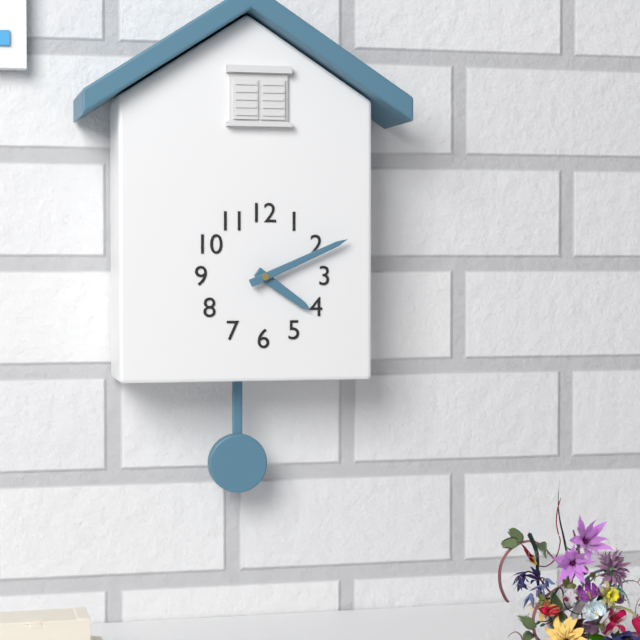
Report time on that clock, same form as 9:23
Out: 4:11
